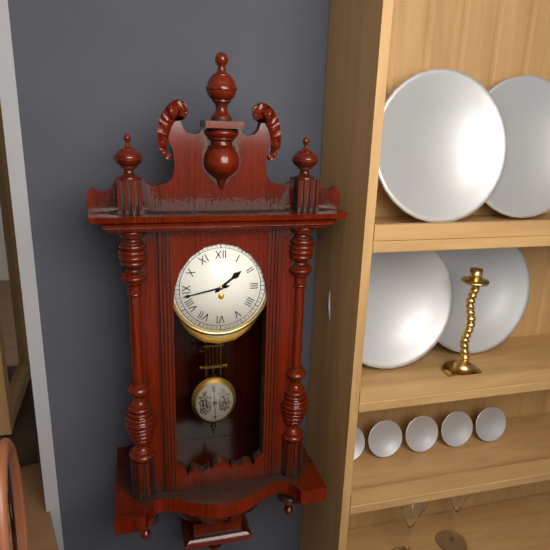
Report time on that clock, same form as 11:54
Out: 1:43
